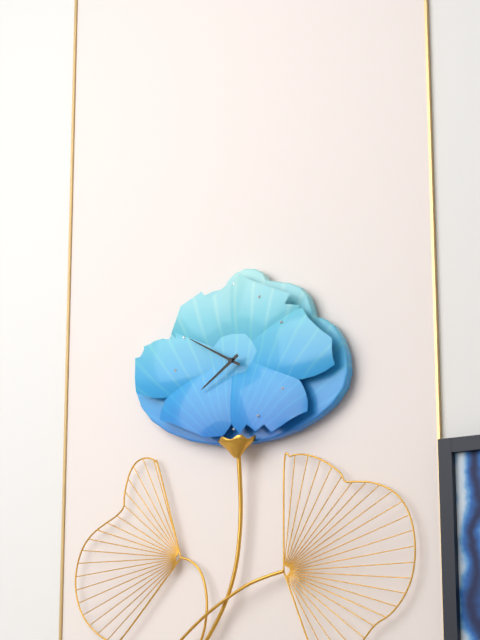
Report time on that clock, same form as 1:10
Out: 7:50
